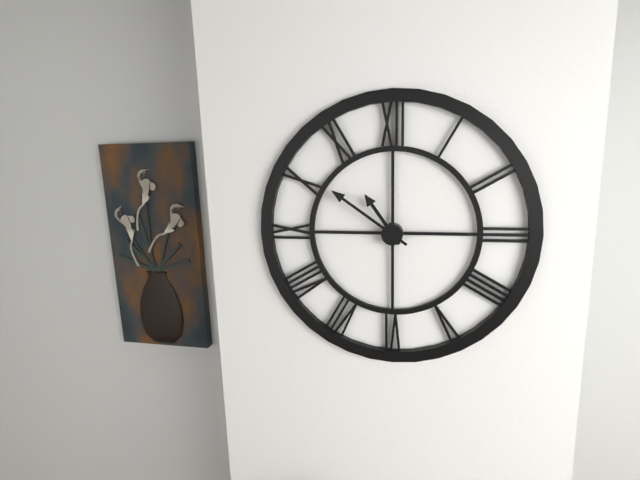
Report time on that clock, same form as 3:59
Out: 10:51
